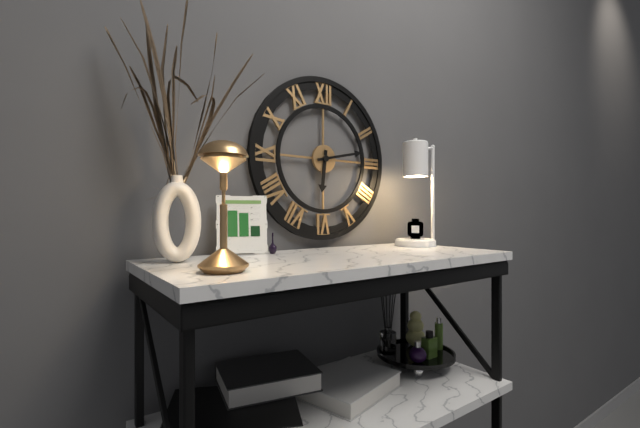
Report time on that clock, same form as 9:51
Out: 6:13
